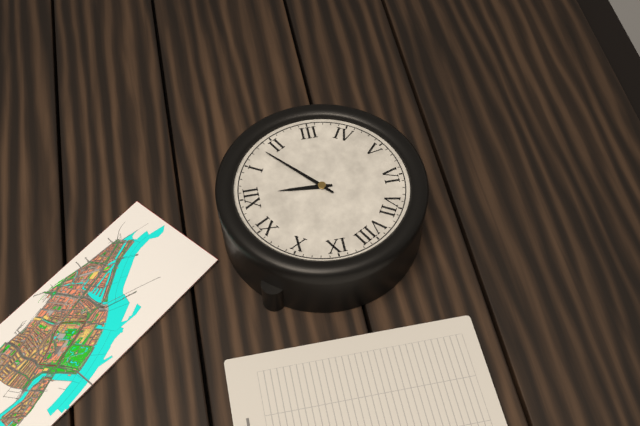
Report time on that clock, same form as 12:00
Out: 12:08
